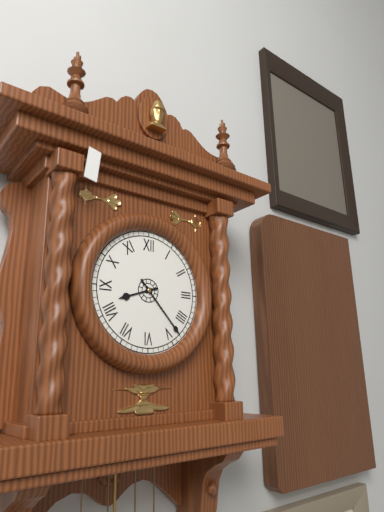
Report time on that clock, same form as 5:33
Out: 8:23
